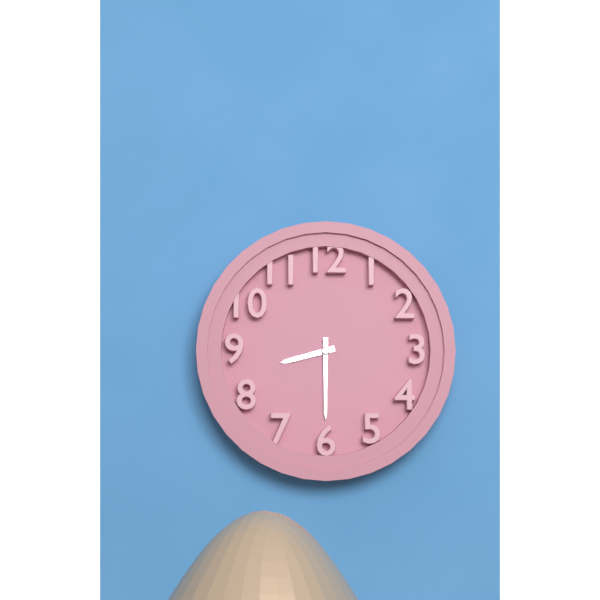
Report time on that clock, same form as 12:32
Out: 8:30
